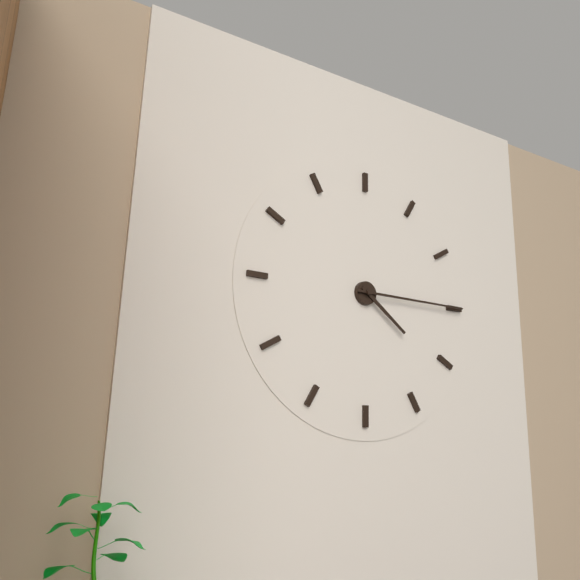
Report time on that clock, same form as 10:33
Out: 4:15
